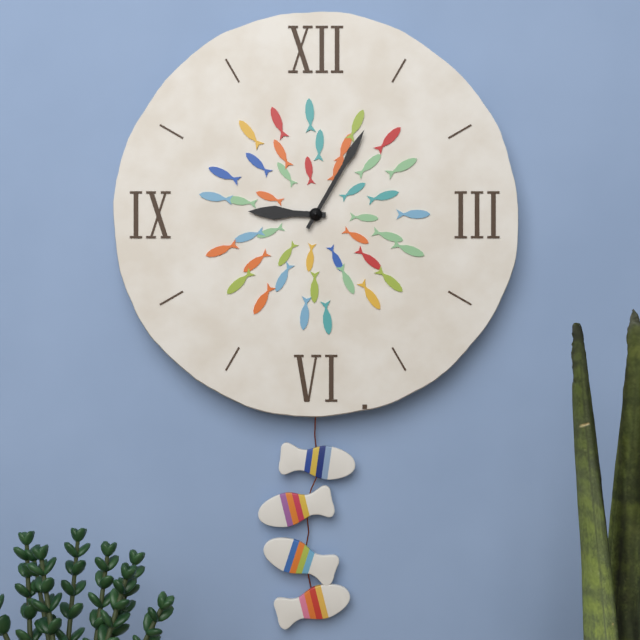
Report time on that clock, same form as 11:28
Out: 9:05
